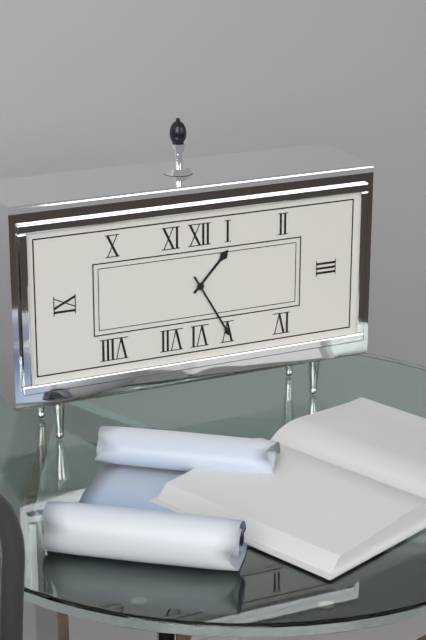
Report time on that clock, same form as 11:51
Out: 1:25
